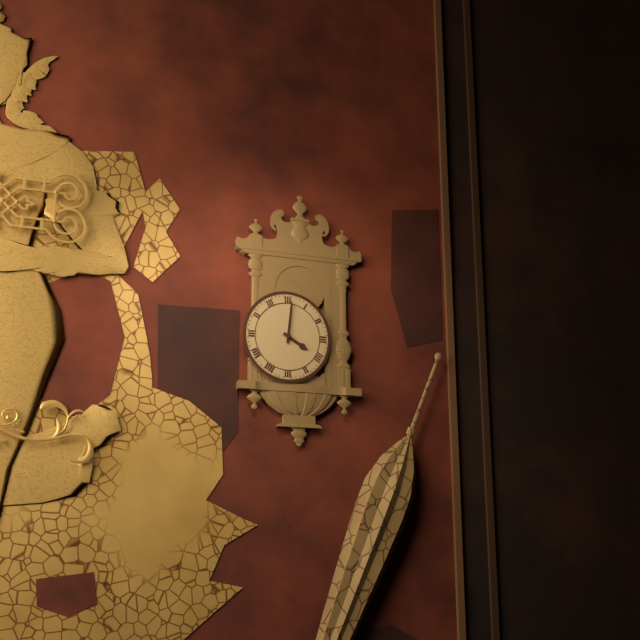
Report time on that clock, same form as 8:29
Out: 4:01
